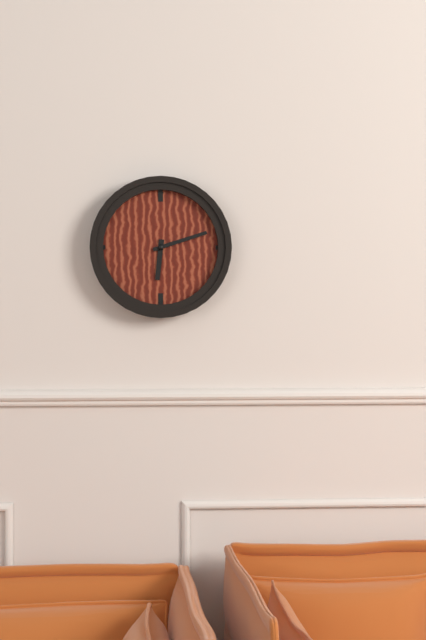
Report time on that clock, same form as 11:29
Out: 6:12
